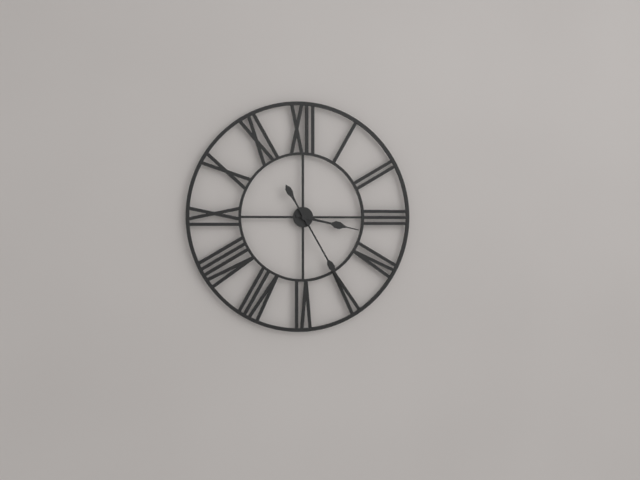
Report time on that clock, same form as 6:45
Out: 3:25
